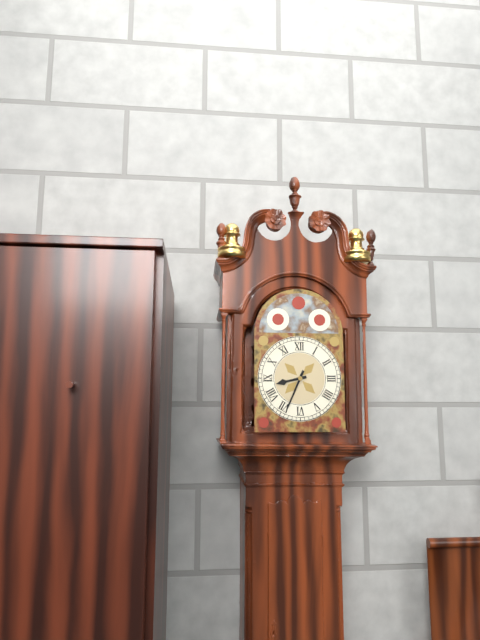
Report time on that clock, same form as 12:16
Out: 8:34
